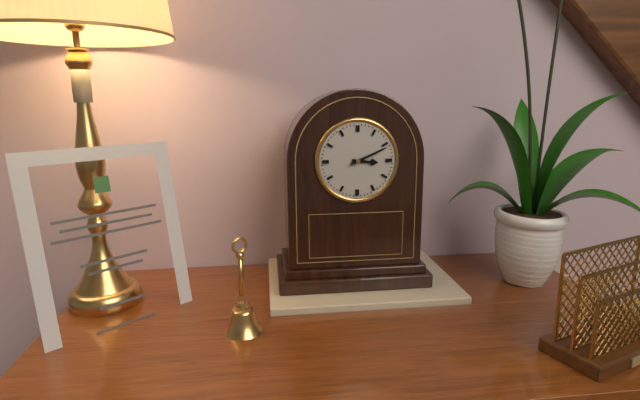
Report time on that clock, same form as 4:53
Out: 3:11
